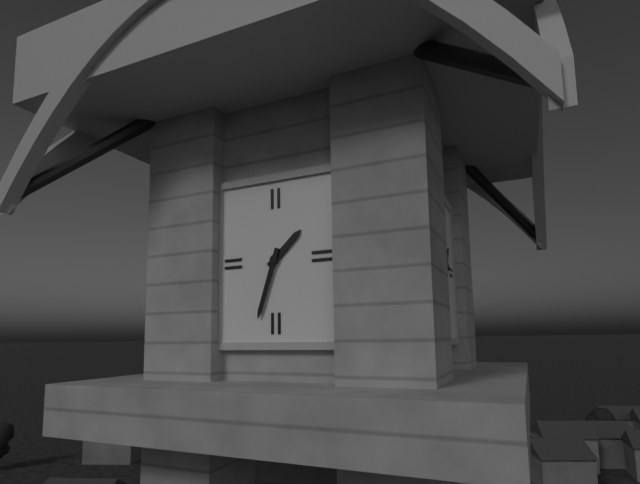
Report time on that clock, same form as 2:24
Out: 1:33
